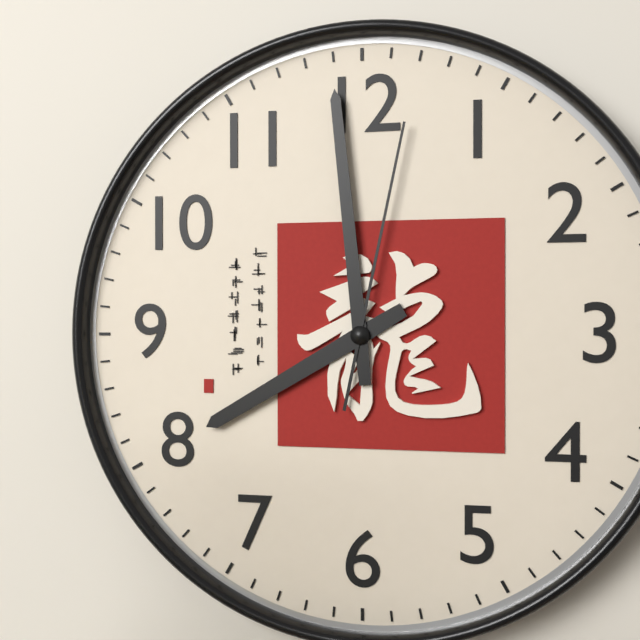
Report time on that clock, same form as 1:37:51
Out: 7:59:02
